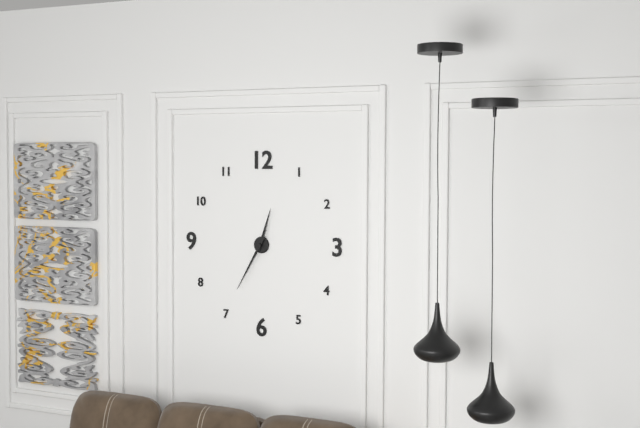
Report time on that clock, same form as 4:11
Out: 12:35
